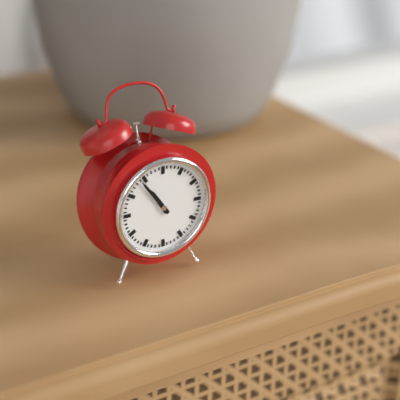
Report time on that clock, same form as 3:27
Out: 10:54
